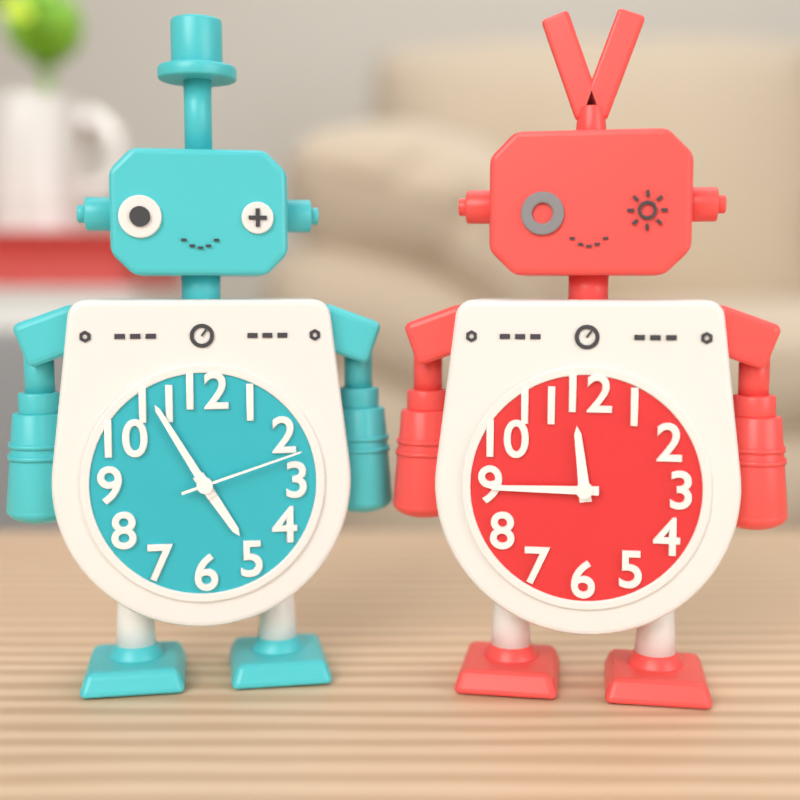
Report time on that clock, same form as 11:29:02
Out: 4:55:12
